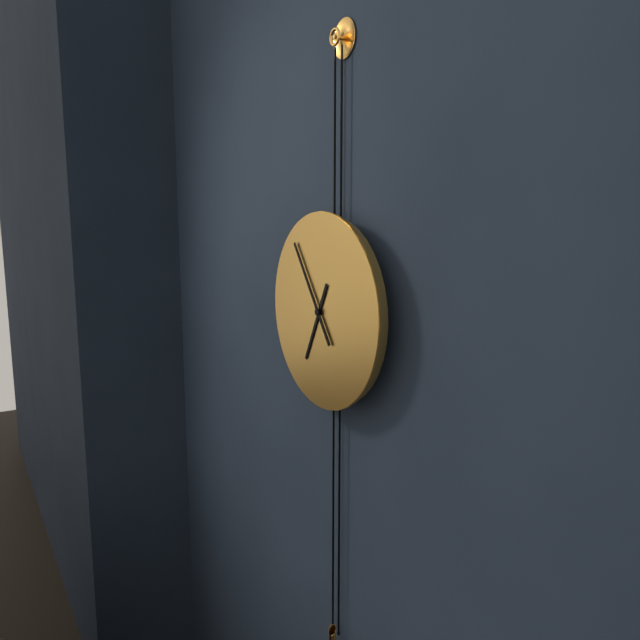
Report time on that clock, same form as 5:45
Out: 6:54
